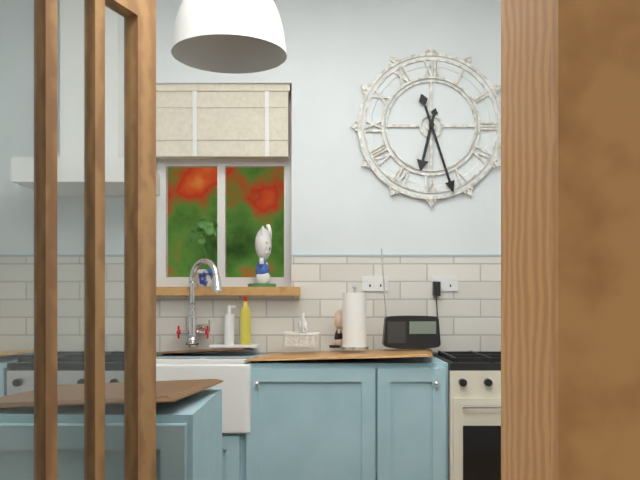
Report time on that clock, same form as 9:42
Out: 6:27
